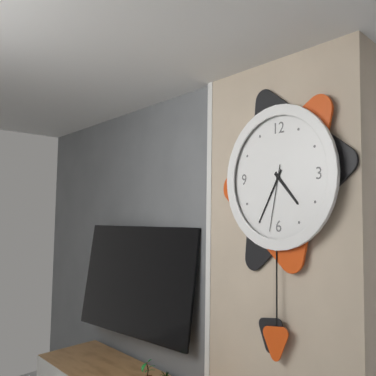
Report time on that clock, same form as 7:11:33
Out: 4:35:32
